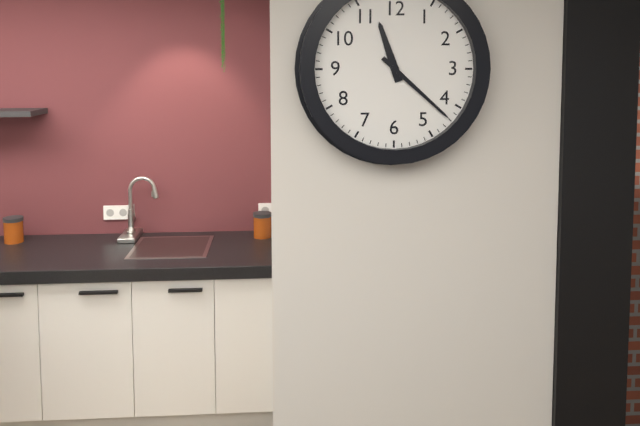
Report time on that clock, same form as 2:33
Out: 11:22
